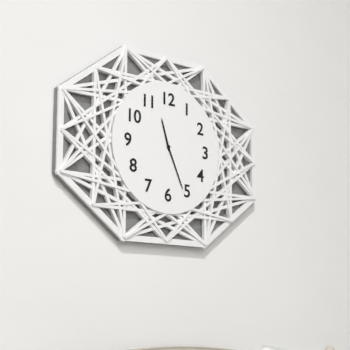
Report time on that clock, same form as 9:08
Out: 11:26
